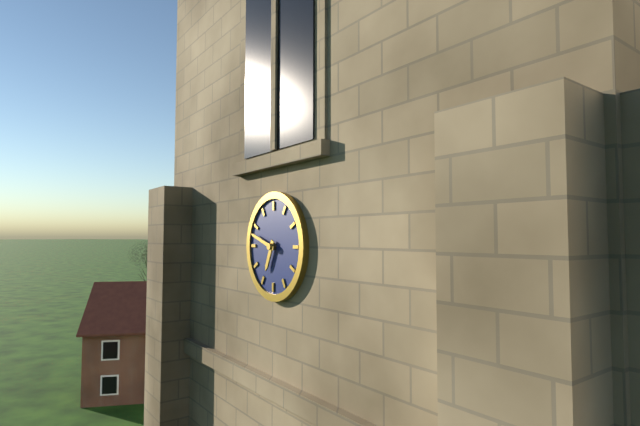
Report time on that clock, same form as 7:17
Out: 6:48
